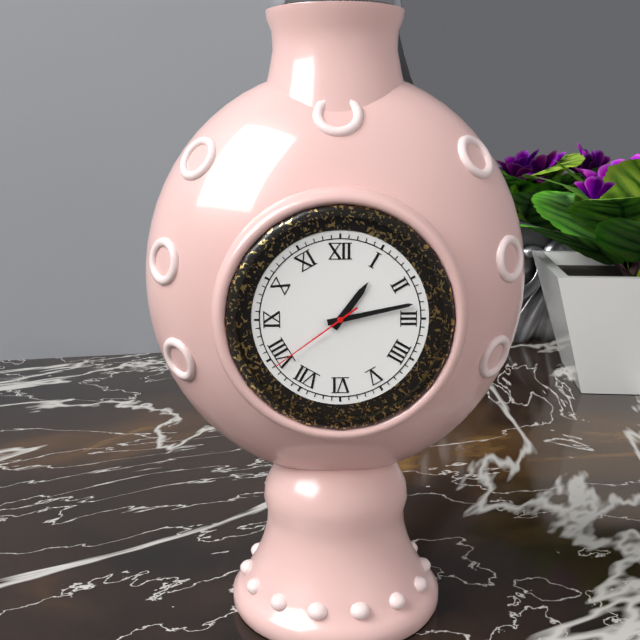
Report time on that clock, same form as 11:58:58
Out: 1:13:39
